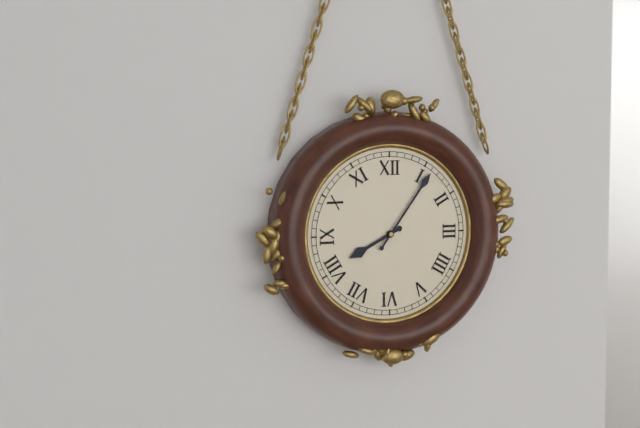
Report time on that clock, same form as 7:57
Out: 8:06
